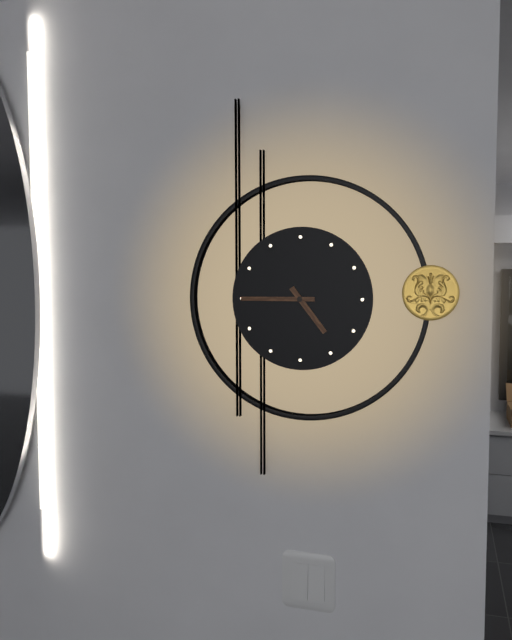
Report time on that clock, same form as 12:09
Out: 4:45
